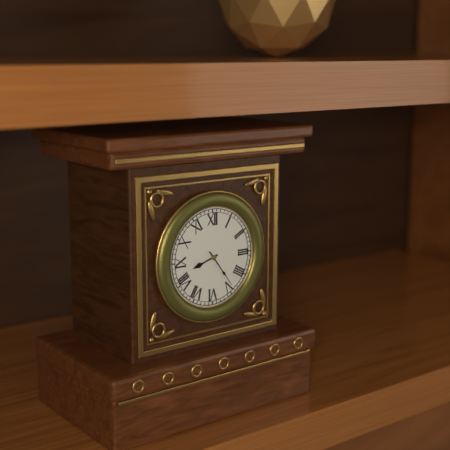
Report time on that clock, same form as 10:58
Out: 8:24
